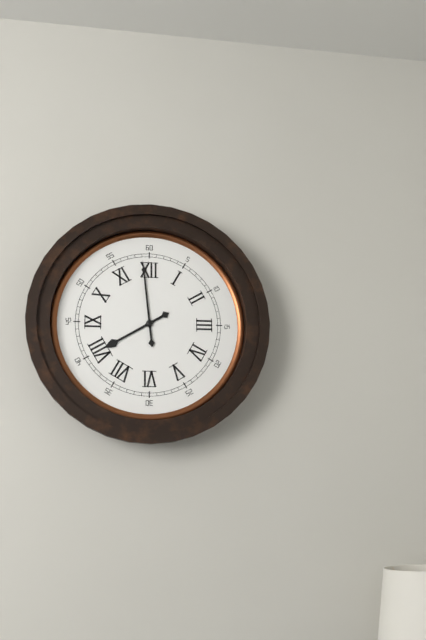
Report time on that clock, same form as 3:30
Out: 7:59
